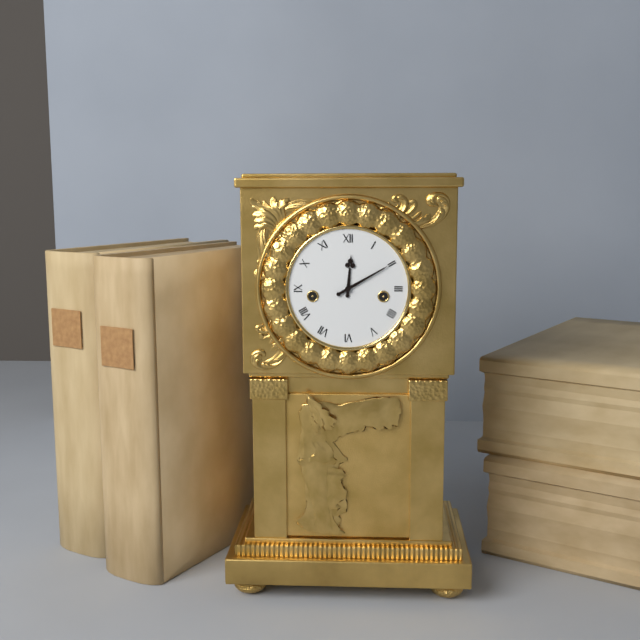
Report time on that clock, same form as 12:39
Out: 12:10
